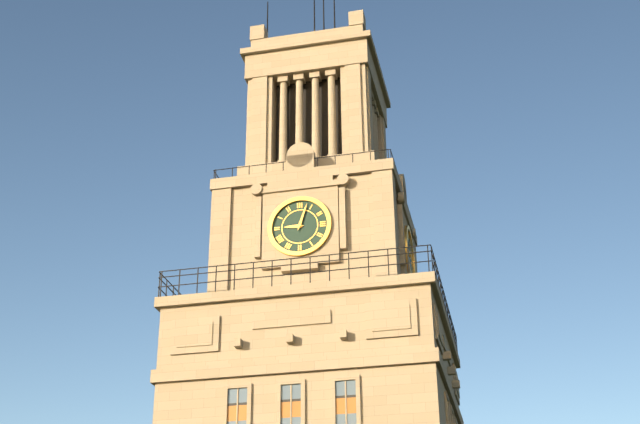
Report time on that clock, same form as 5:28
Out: 9:03
